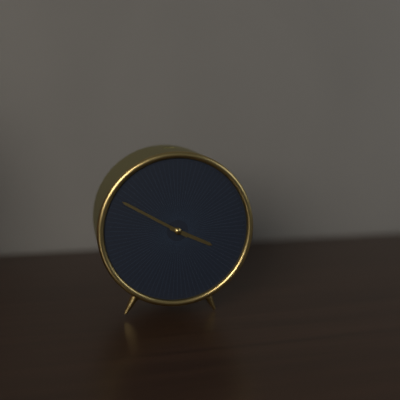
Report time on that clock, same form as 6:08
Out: 3:50
